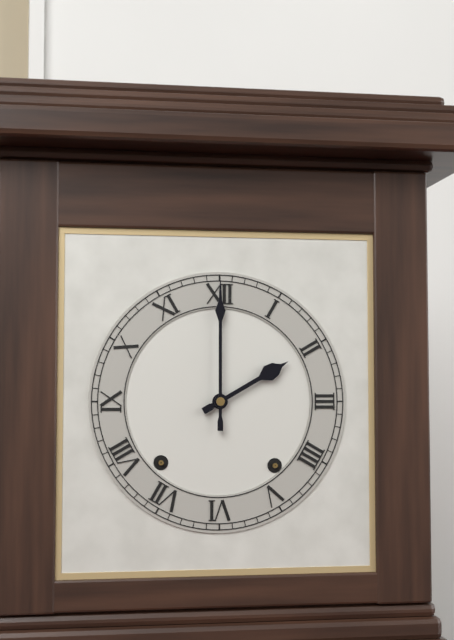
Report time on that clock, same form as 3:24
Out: 2:00
